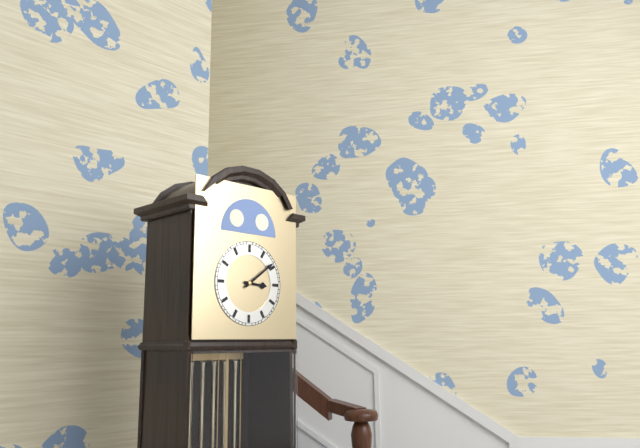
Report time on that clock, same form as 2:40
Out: 3:09
